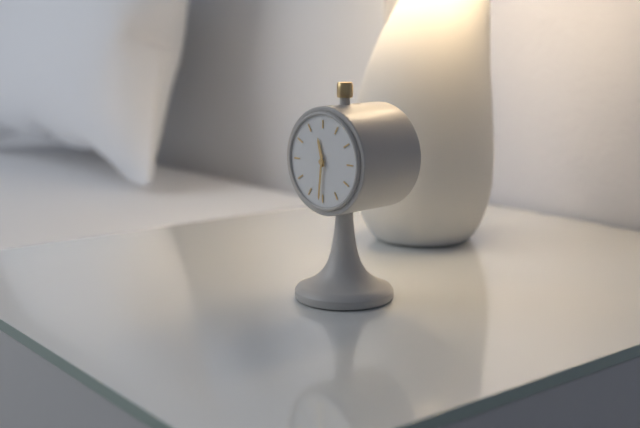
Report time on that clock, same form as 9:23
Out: 11:31
